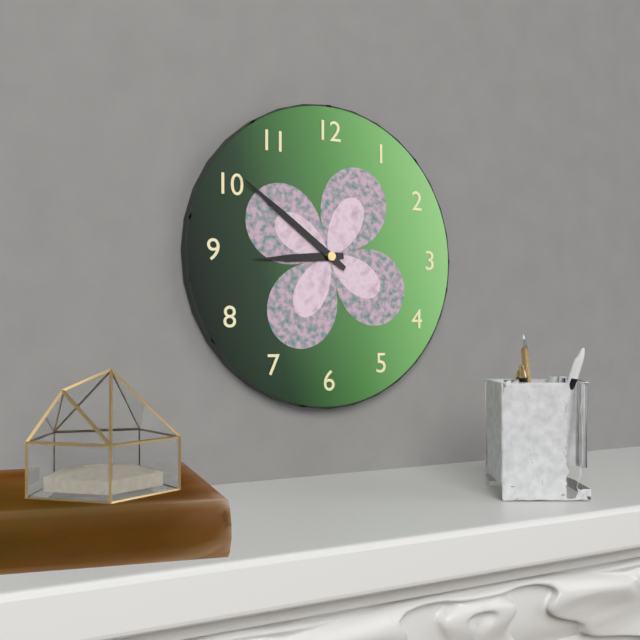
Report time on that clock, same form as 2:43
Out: 8:51
